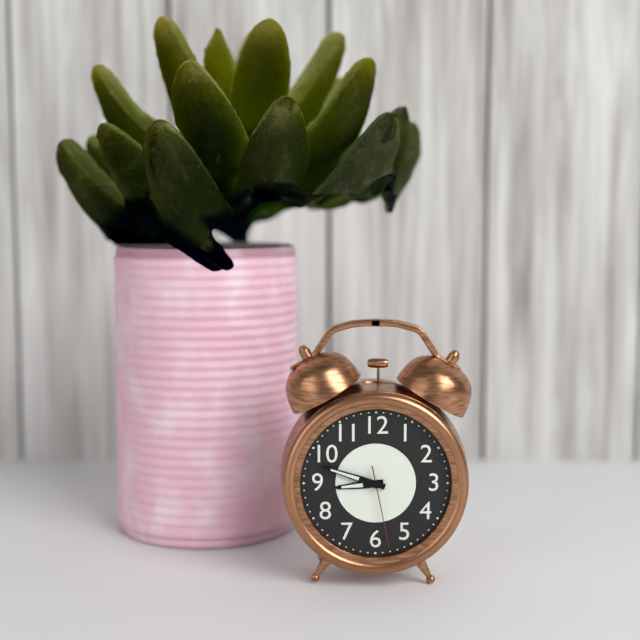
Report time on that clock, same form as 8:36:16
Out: 8:48:28
